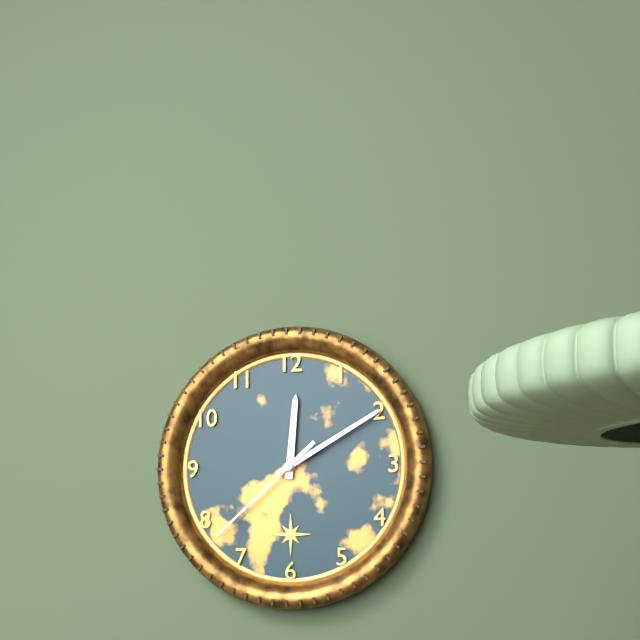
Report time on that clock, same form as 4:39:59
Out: 12:10:38
